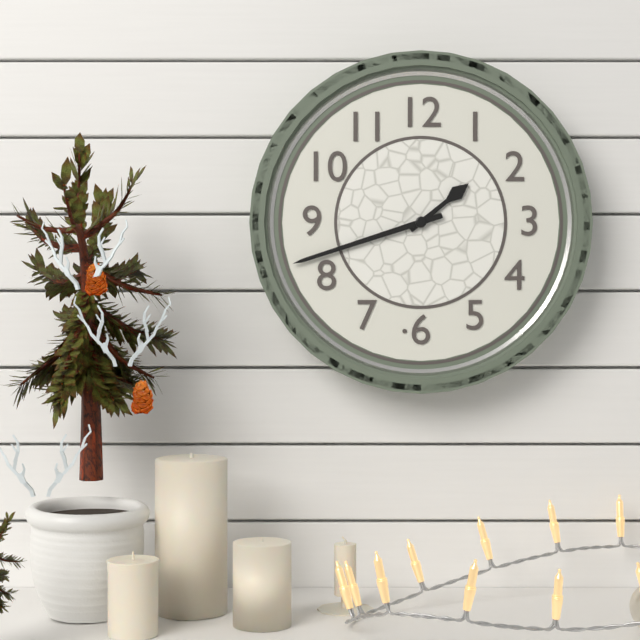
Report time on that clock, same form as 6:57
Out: 1:42
